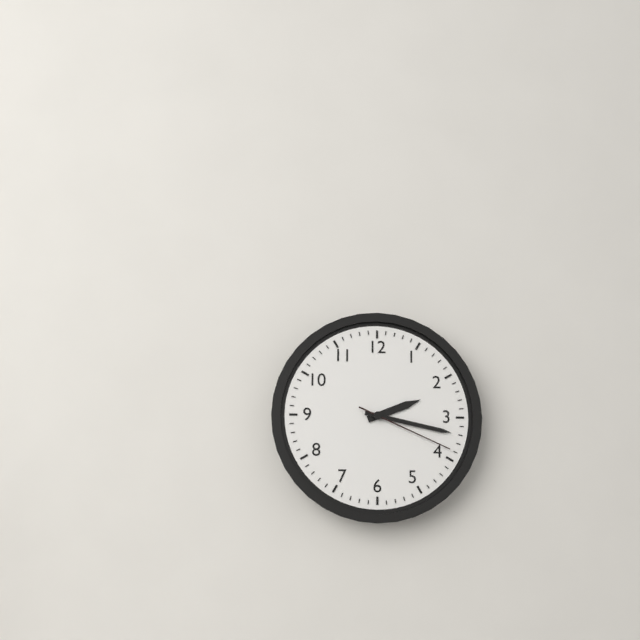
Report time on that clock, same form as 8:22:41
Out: 2:17:19
